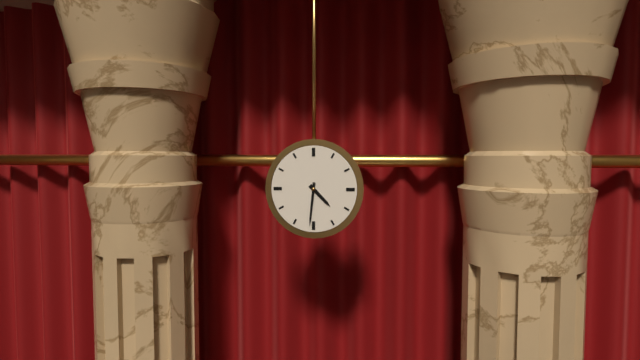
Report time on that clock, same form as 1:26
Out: 4:31
